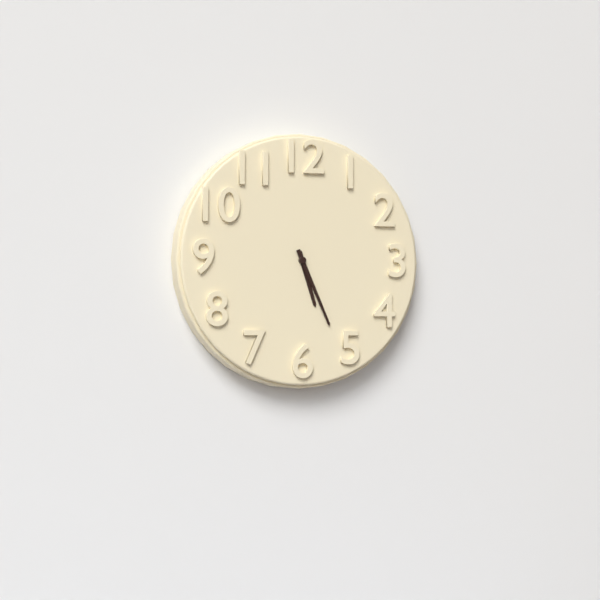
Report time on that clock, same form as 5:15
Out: 5:26
